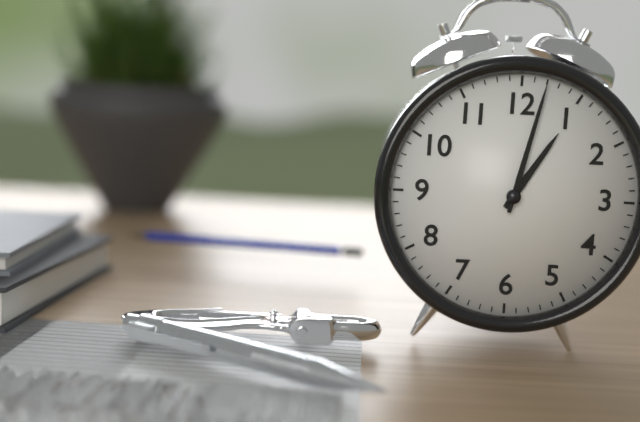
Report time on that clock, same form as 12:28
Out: 1:02
